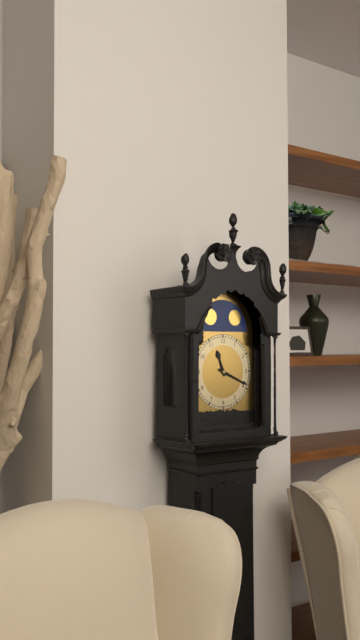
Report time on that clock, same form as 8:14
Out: 11:19
